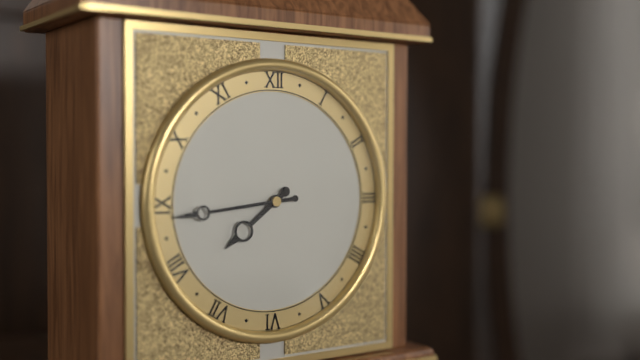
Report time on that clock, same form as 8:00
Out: 7:44
